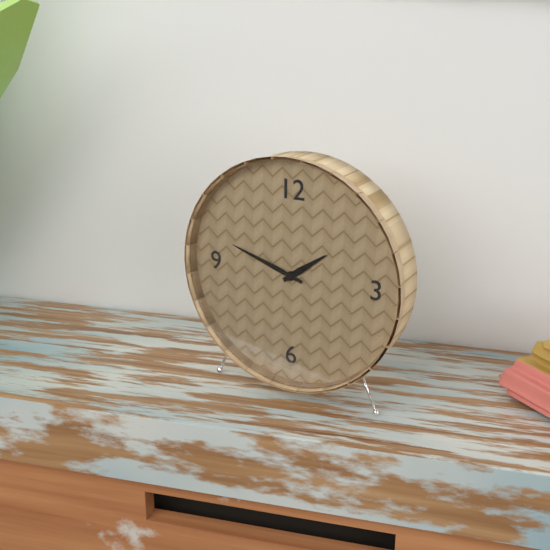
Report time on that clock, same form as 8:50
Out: 1:48
